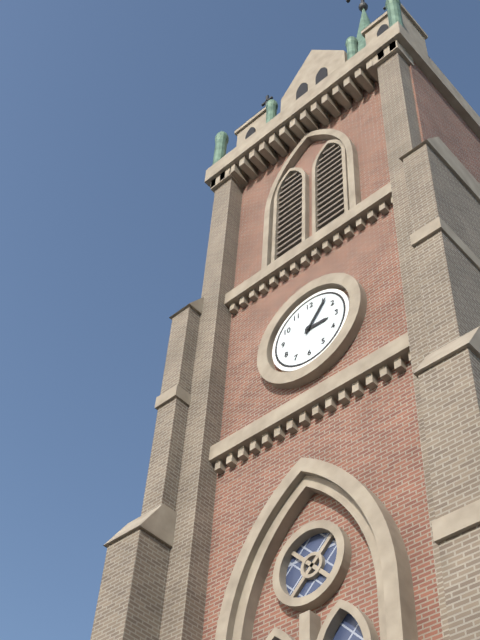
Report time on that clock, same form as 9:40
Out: 3:06
